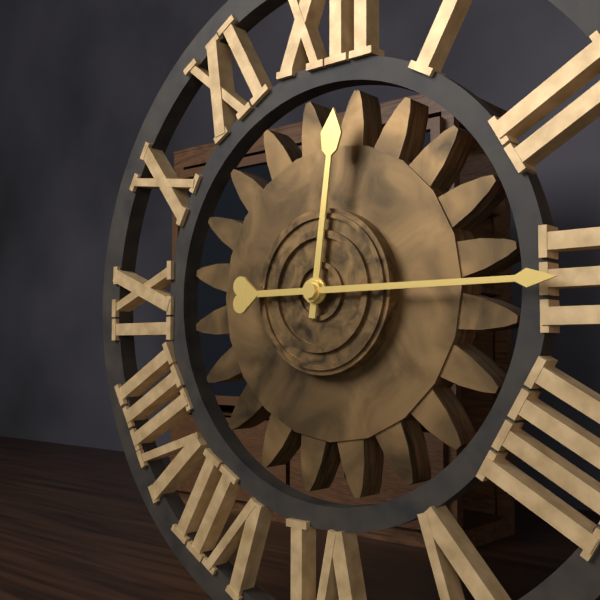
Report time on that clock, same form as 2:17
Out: 12:15
